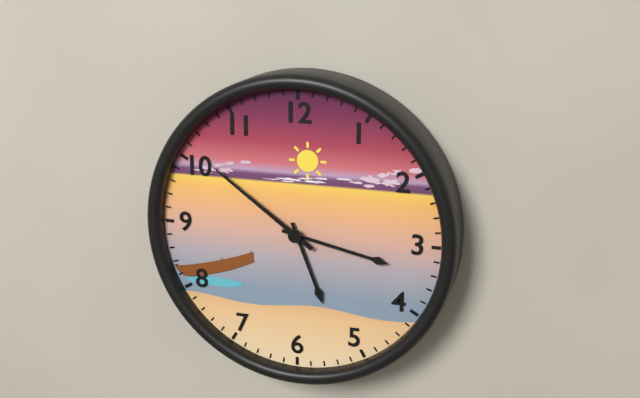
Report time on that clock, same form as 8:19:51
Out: 5:17:51
